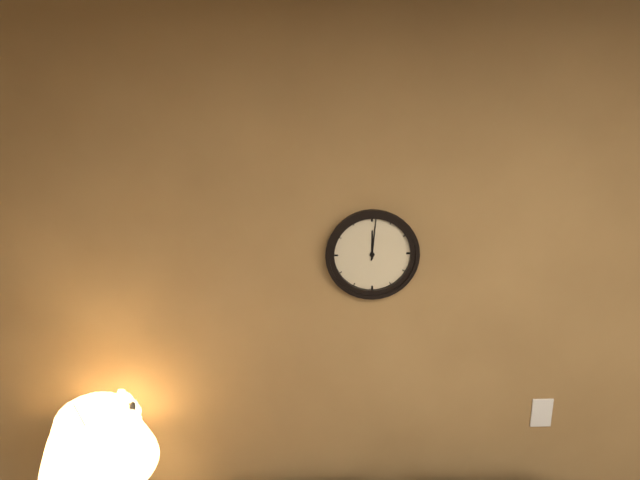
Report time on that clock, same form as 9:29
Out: 12:01
